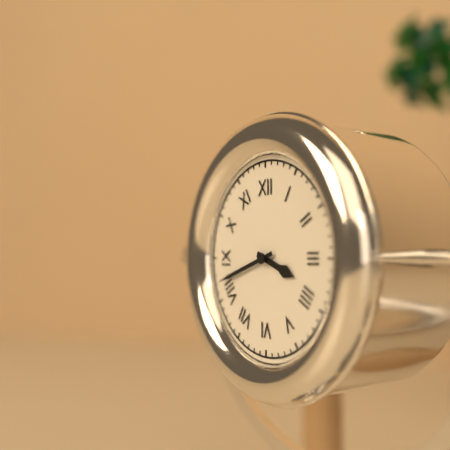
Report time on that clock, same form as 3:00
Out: 3:42
